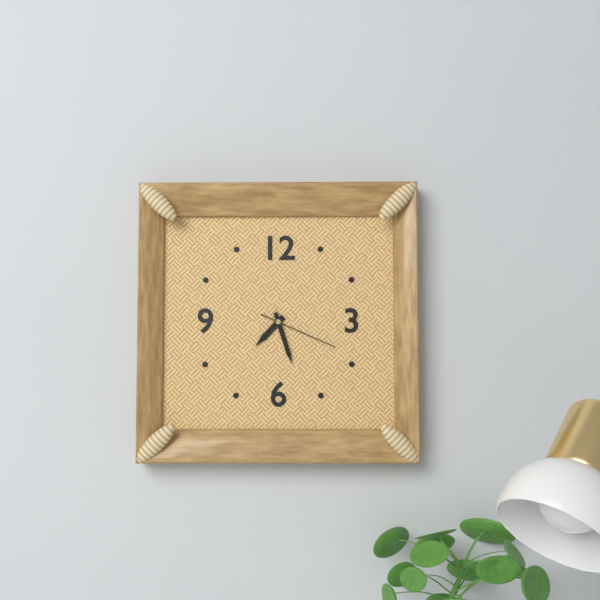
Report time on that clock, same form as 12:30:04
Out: 7:27:19
